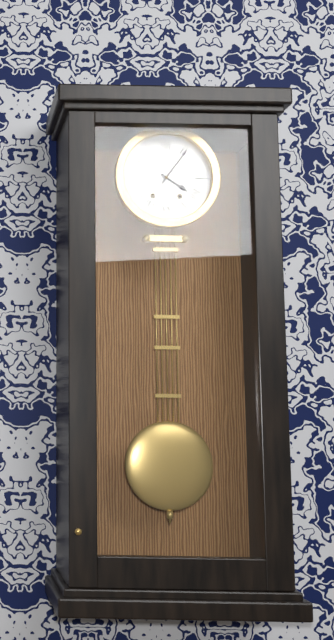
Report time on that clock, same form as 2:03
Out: 4:06
